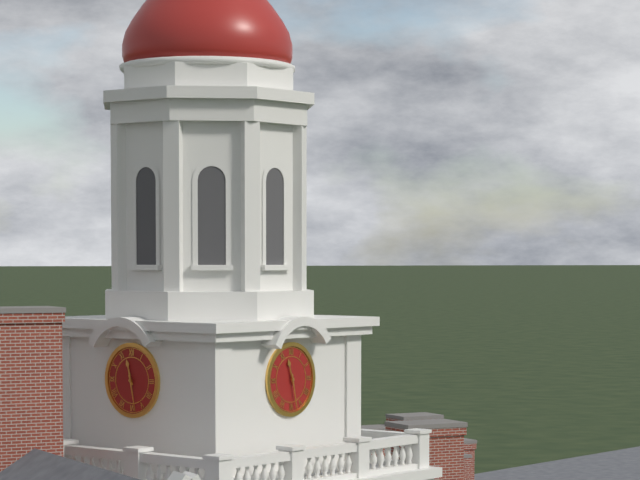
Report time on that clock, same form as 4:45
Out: 11:28
